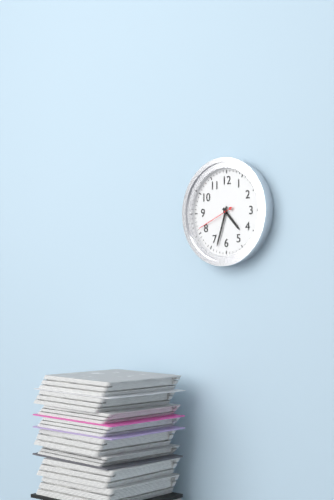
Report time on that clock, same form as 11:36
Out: 4:33
